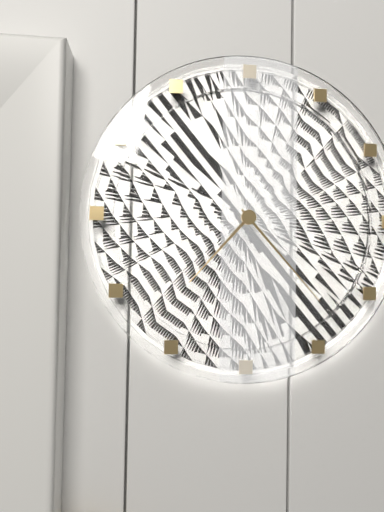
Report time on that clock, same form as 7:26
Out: 7:23
